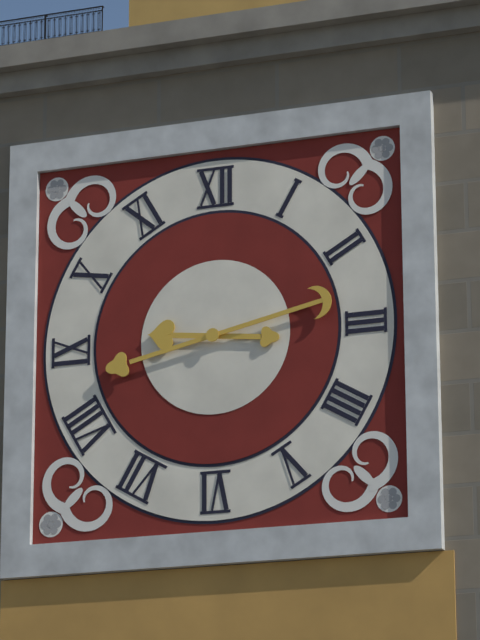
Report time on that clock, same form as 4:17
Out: 9:13
